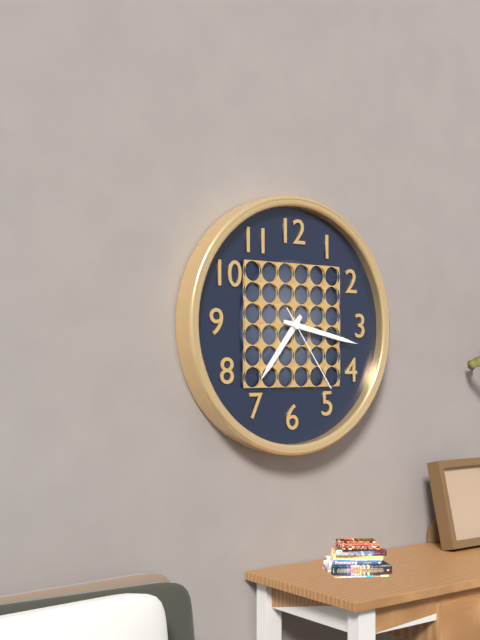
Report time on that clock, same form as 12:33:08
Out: 7:17:24
